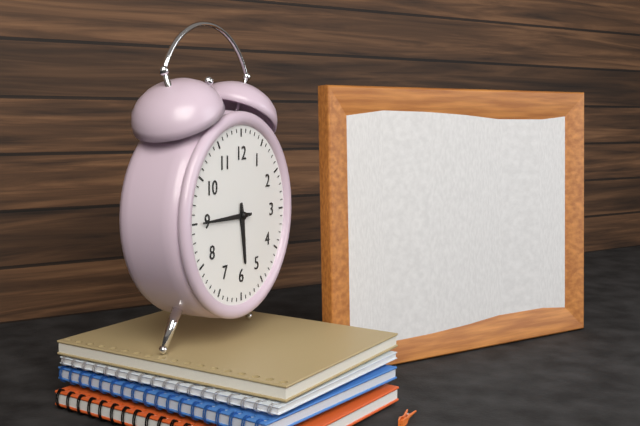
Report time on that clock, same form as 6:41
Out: 5:45
